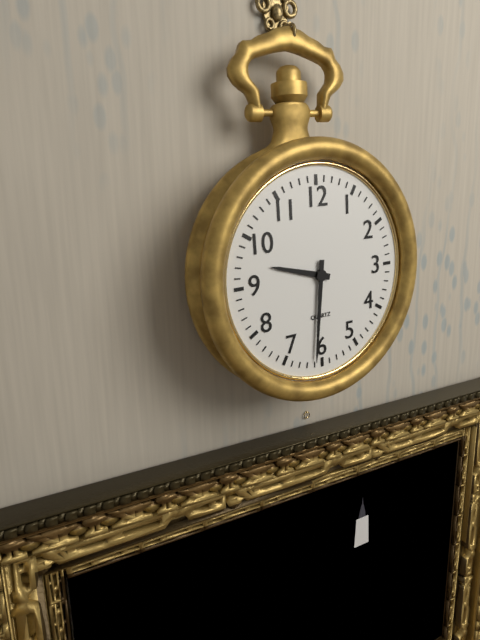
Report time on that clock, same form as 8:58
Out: 9:31
